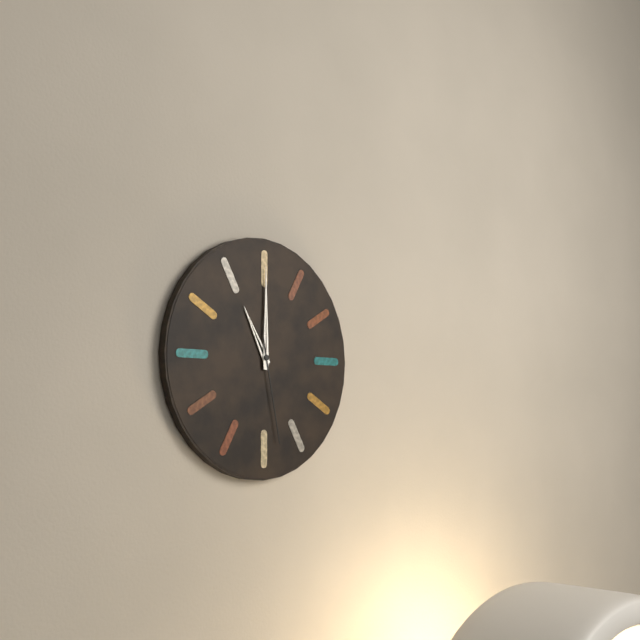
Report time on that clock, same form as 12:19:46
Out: 11:00:28
